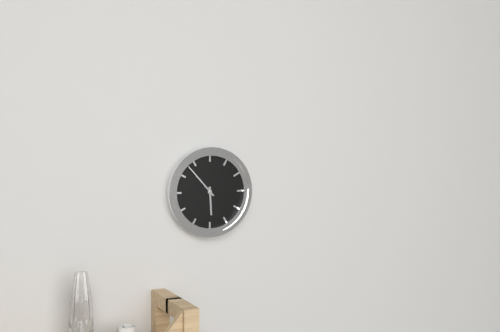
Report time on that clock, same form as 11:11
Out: 5:53
